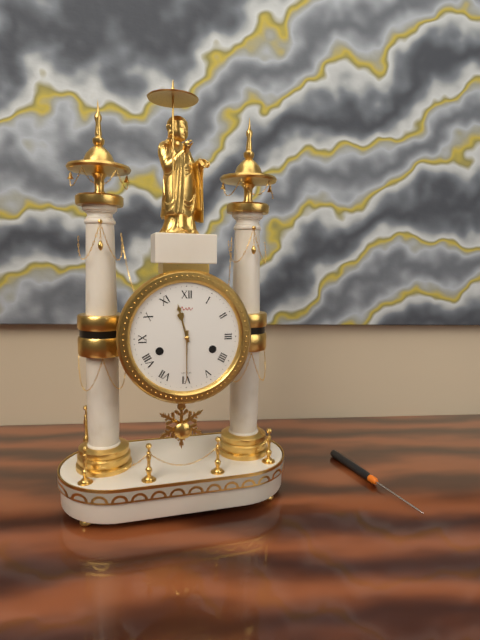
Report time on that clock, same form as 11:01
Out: 11:30
